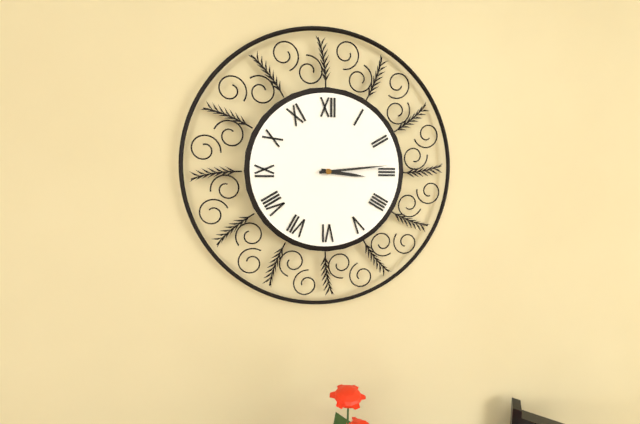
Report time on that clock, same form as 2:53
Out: 3:14
